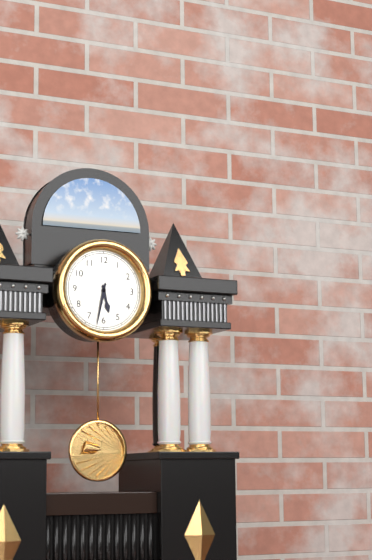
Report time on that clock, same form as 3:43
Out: 5:32
